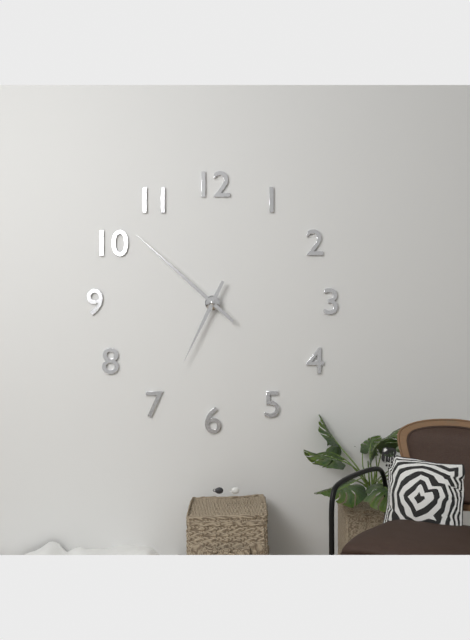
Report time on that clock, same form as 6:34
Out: 6:52
